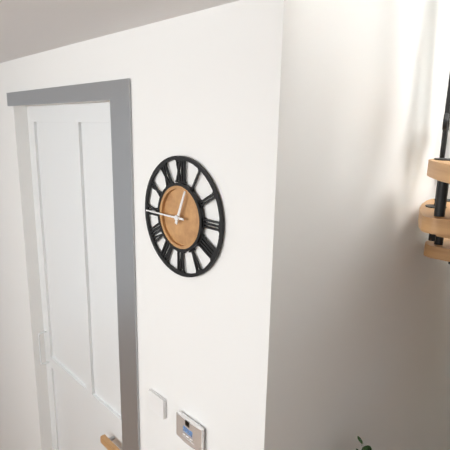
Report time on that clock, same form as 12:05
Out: 12:45
